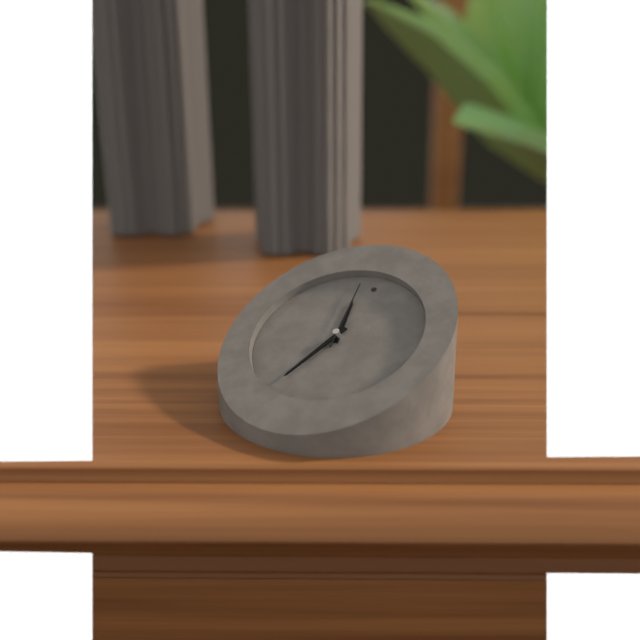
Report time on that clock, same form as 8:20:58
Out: 11:33:58
